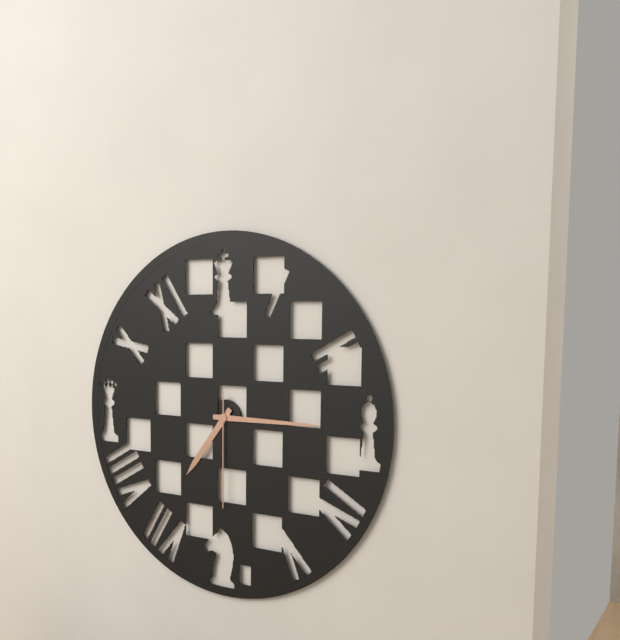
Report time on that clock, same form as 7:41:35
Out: 7:15:30
